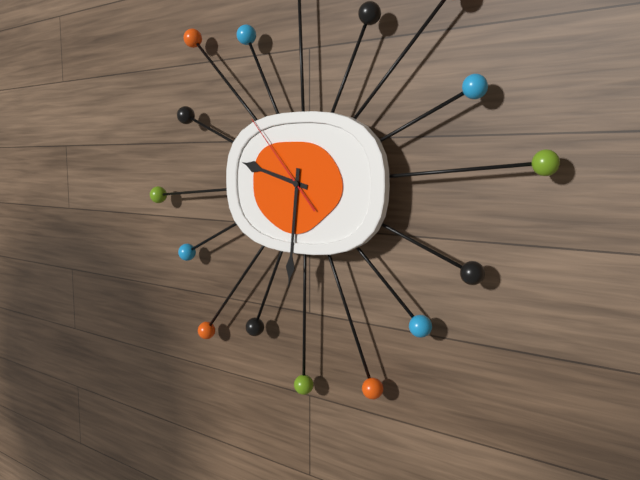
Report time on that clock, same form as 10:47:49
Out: 9:31:53
